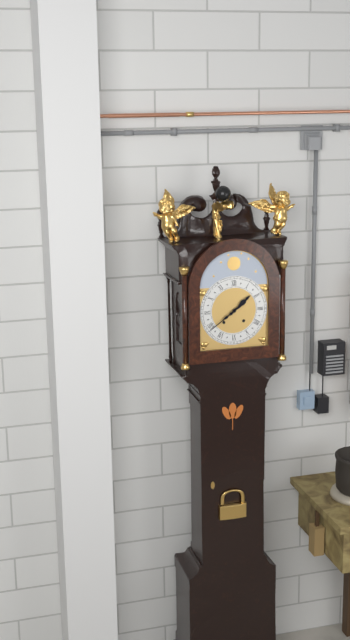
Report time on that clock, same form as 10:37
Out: 1:39
